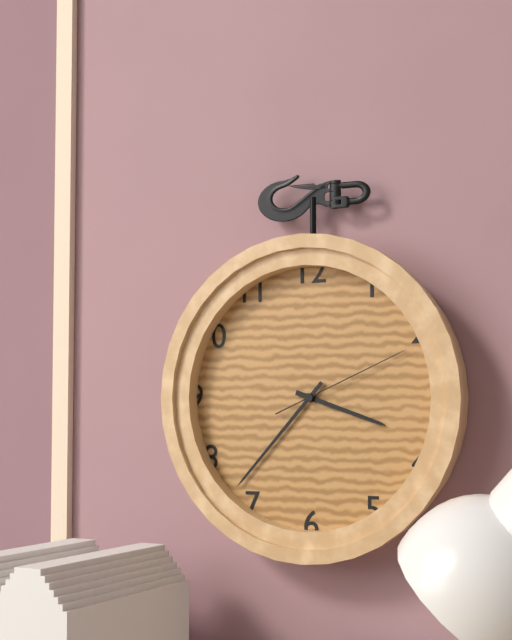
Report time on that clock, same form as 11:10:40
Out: 3:37:11
